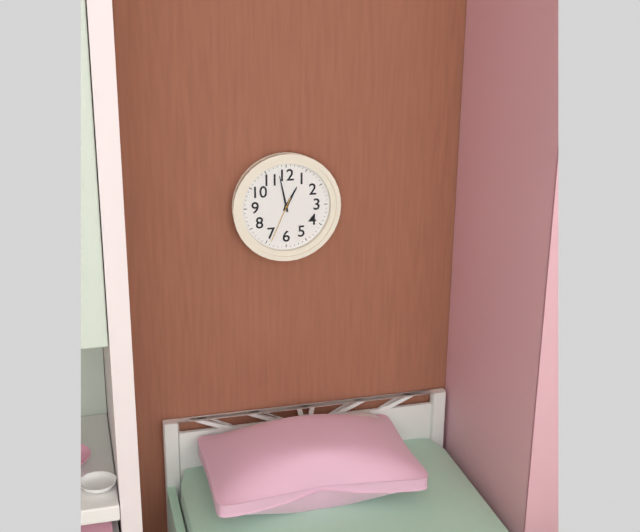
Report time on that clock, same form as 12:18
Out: 12:58
